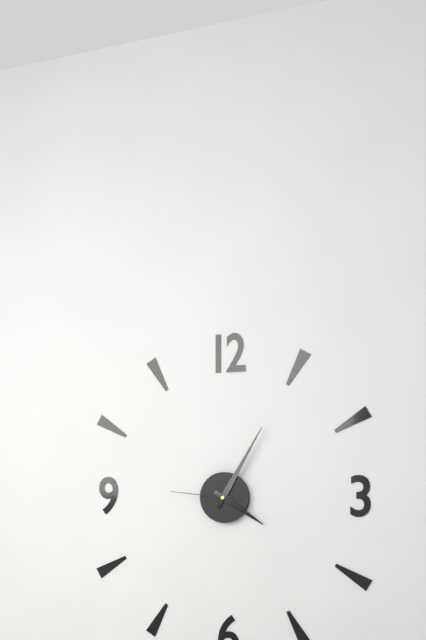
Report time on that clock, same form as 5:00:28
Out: 4:05:46
